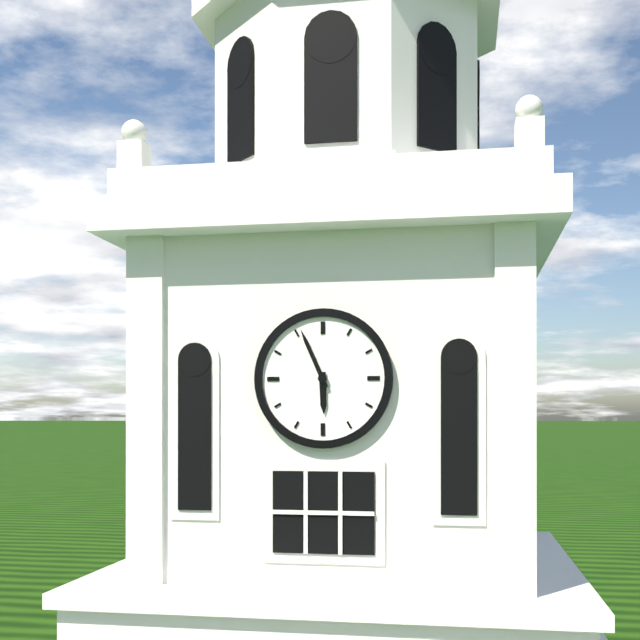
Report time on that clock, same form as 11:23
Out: 5:56
